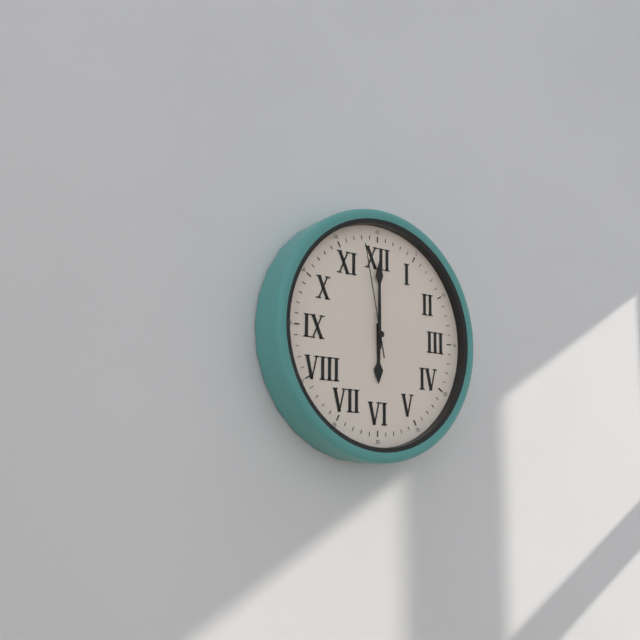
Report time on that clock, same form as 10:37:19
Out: 6:00:58
